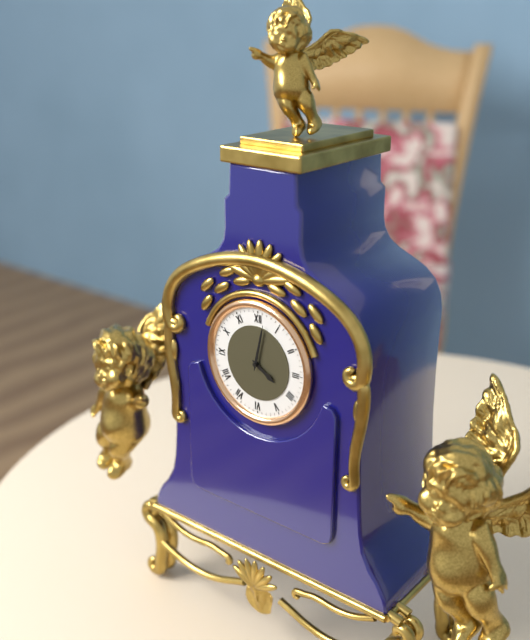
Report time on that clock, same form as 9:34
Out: 4:02
